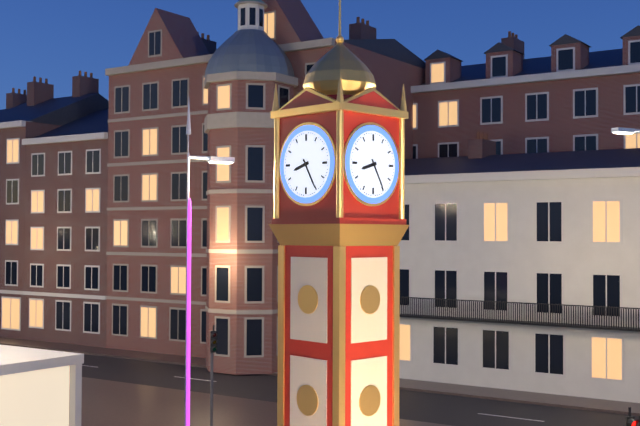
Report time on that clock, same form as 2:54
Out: 8:25
